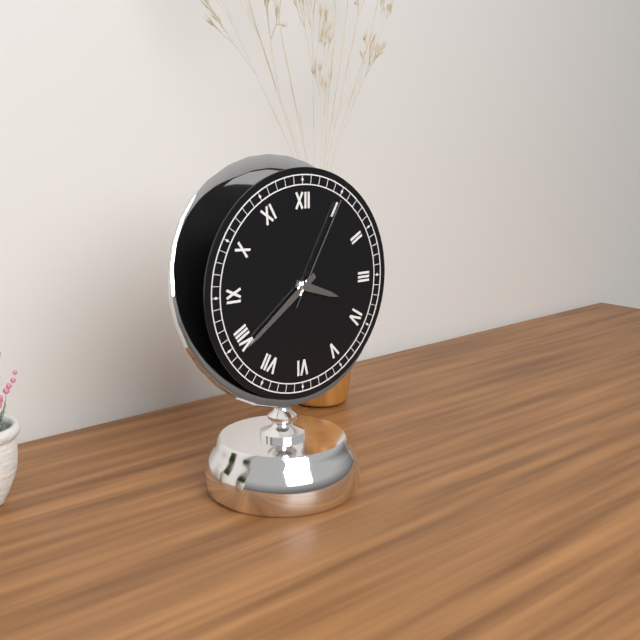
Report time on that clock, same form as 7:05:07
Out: 3:39:05
